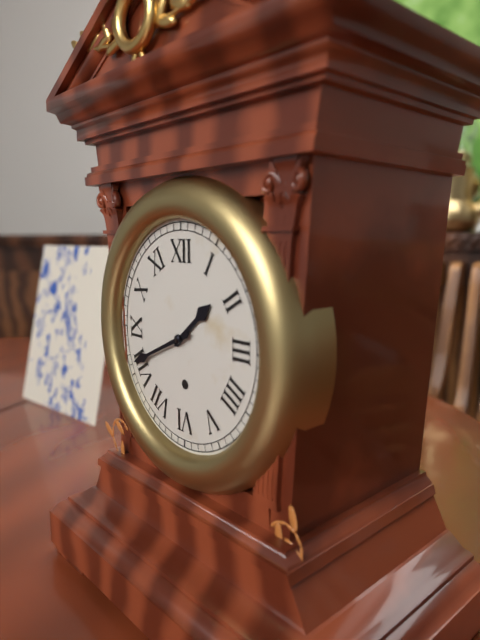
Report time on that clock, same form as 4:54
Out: 1:41
